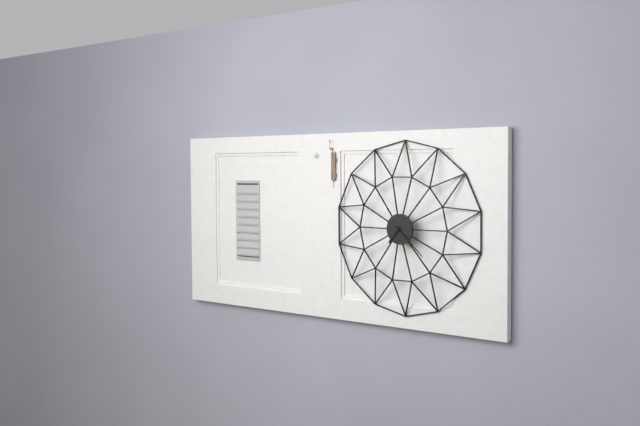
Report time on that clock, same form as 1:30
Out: 7:22
